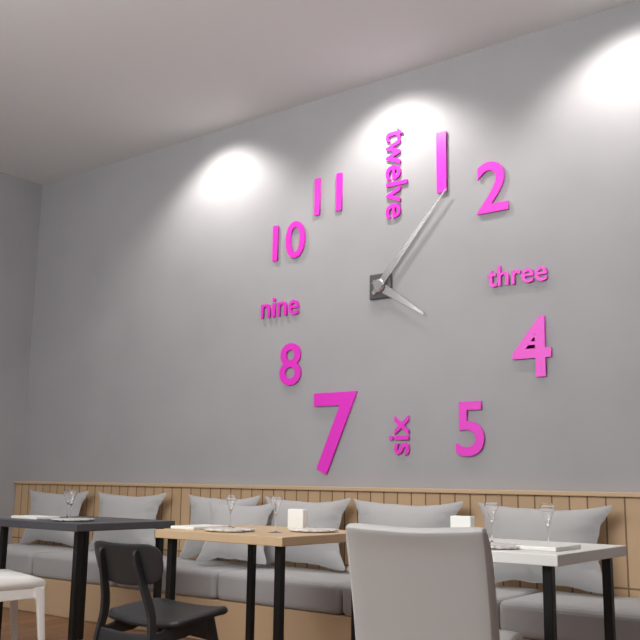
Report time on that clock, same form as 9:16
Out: 4:07
